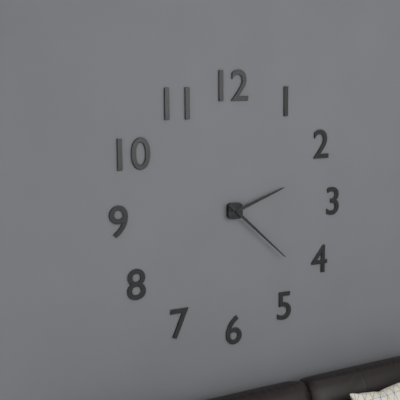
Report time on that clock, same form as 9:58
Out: 2:22
